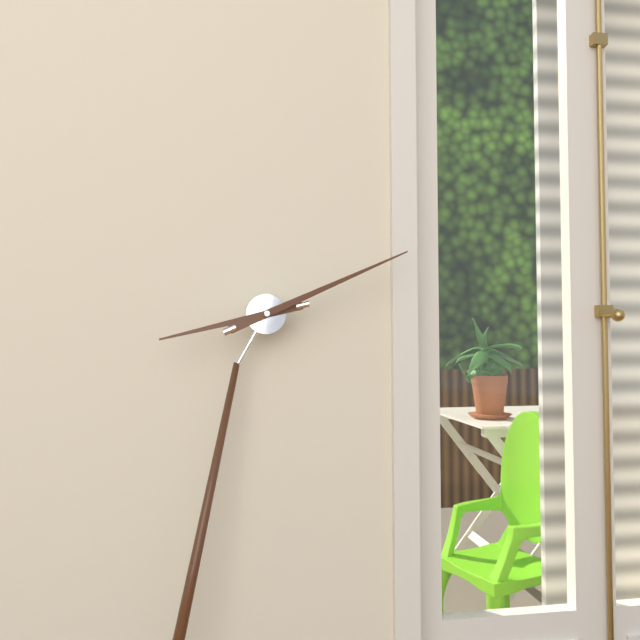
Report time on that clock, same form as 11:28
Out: 8:09
